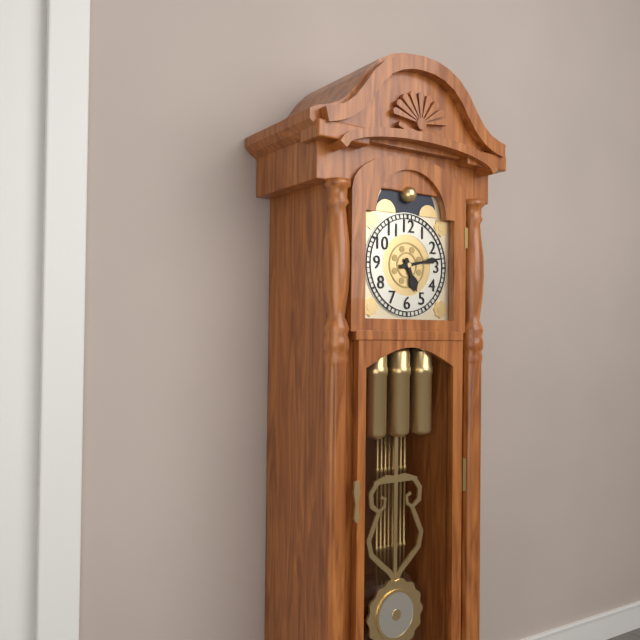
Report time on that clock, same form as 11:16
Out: 5:13
